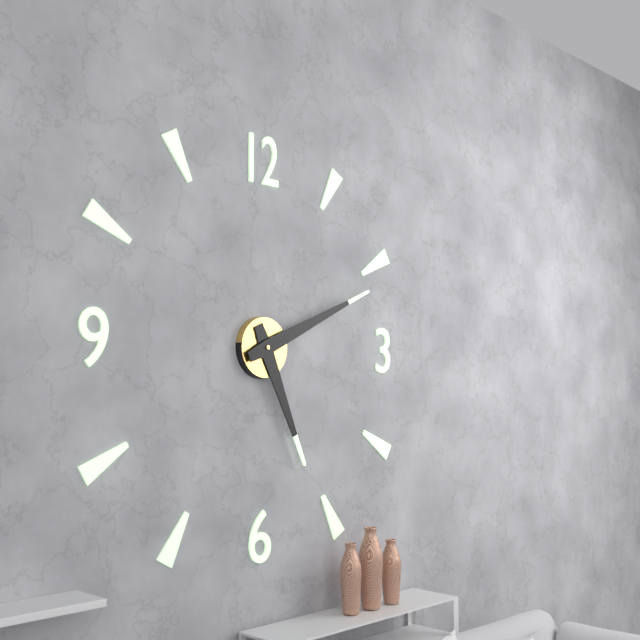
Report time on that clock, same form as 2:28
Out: 5:11
